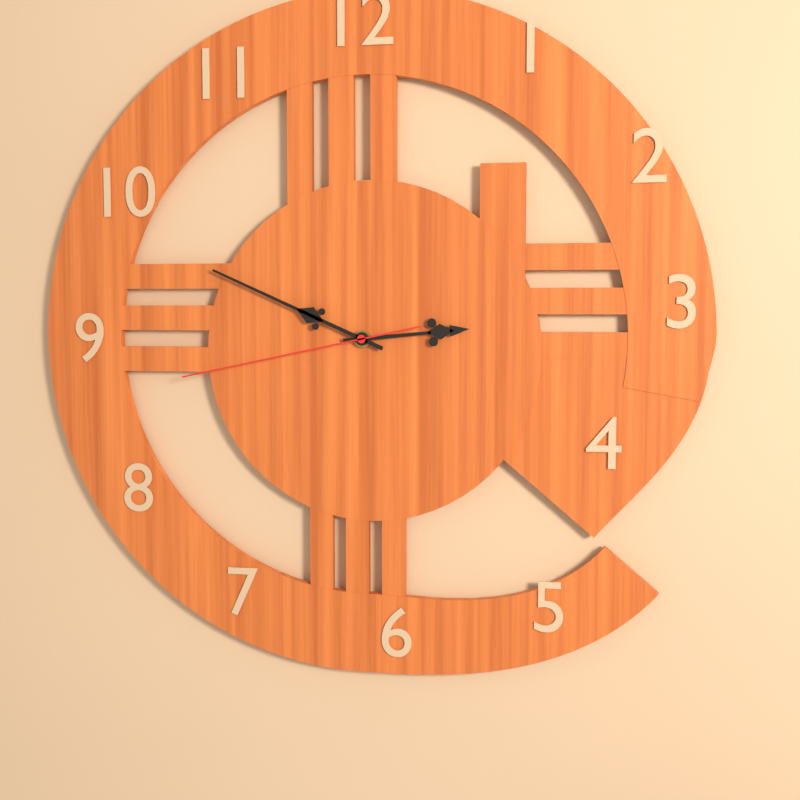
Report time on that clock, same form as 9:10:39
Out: 2:49:43
